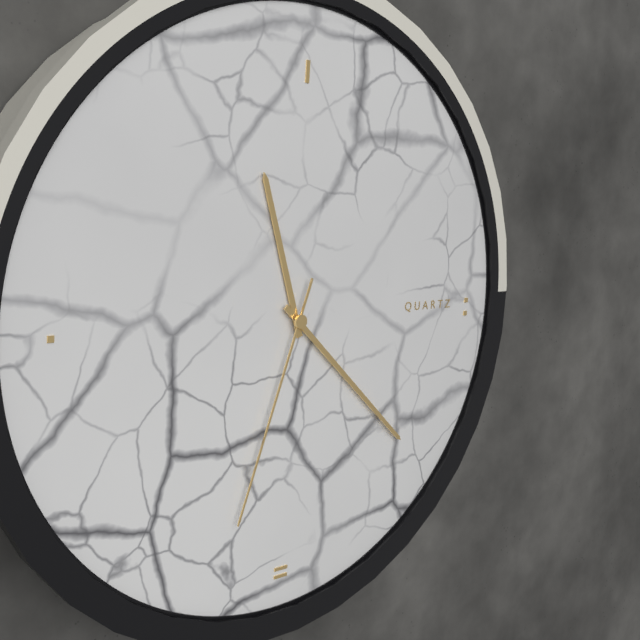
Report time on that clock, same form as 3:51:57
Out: 11:22:33
